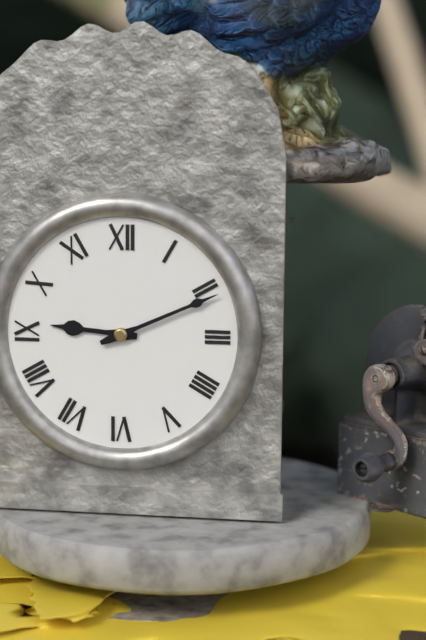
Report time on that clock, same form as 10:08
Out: 9:11
